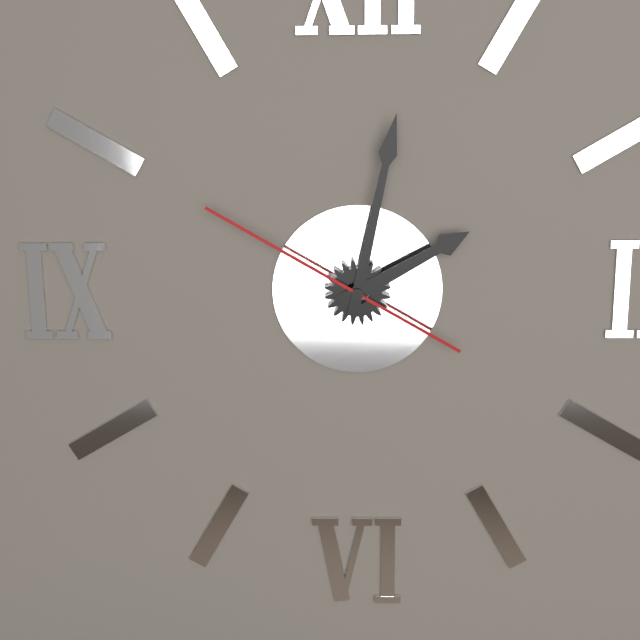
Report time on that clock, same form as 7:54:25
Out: 2:02:50
